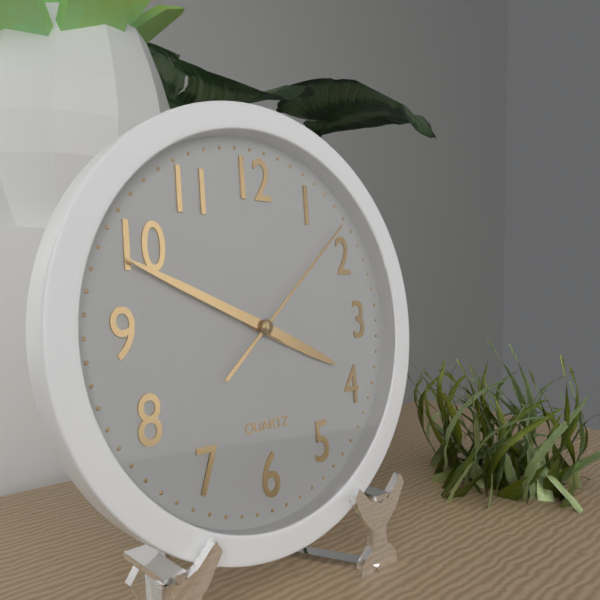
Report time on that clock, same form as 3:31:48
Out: 3:49:08
